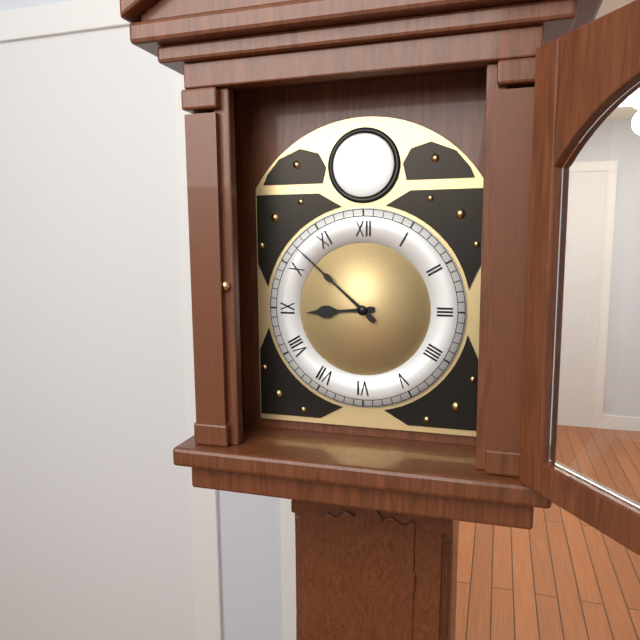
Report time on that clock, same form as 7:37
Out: 8:52
